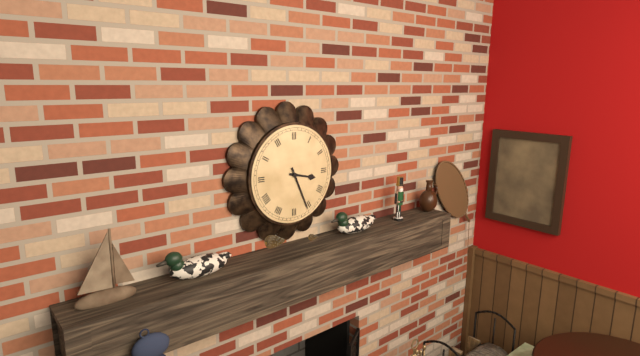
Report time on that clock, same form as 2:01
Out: 3:26
